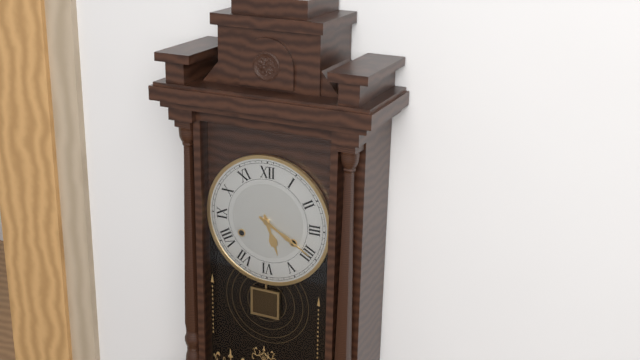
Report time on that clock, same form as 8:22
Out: 5:20
